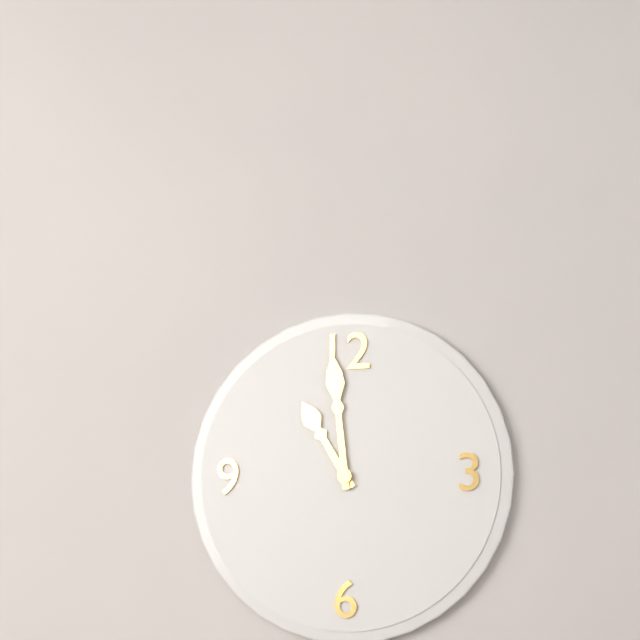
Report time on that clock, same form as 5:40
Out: 10:59
